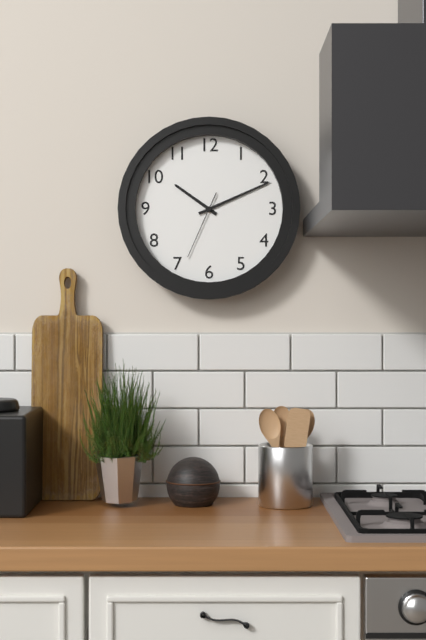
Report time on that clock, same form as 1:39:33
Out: 10:11:34
